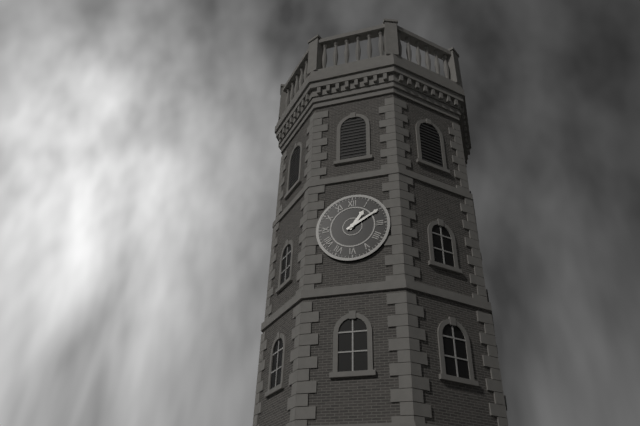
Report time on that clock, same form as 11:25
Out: 1:10
